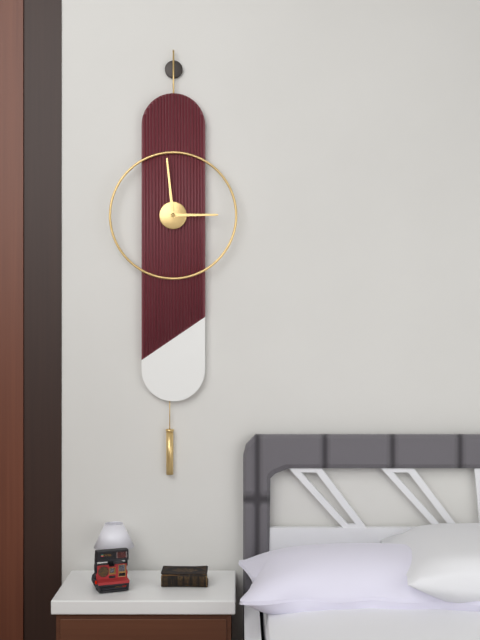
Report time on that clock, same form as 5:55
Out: 2:59
